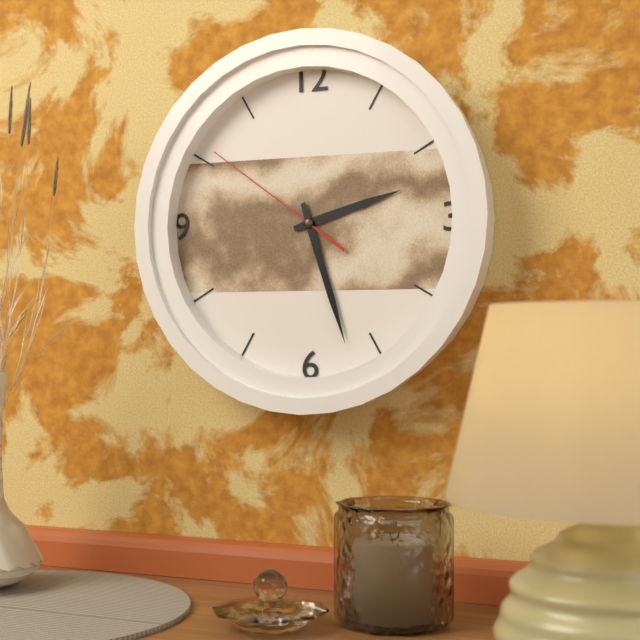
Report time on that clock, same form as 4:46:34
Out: 2:27:51
